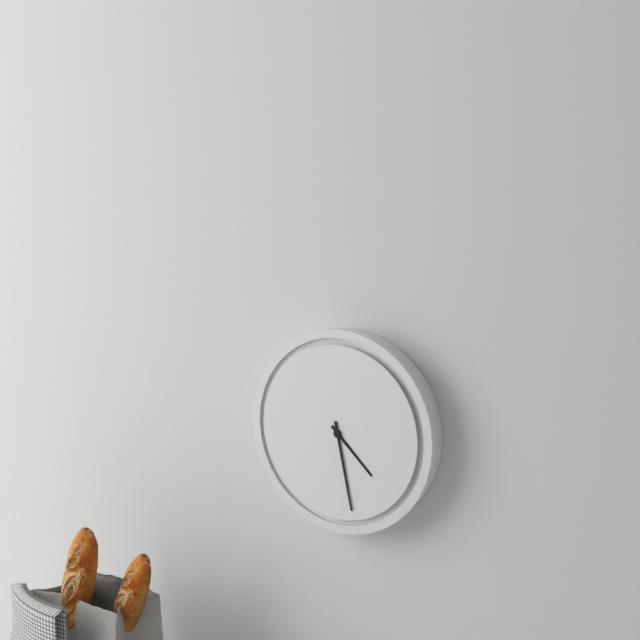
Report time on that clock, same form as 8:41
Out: 4:28
